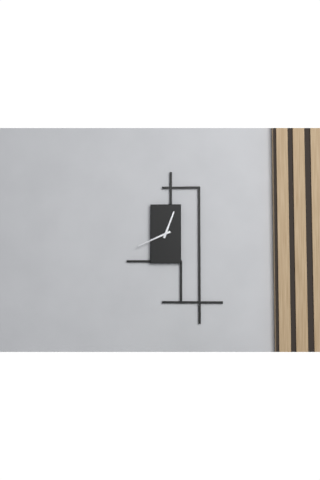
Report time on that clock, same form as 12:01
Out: 12:41
